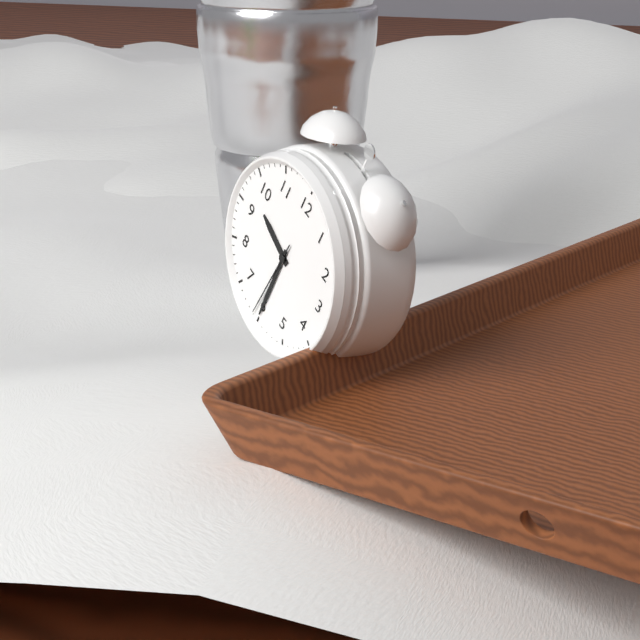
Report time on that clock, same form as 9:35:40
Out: 9:30:31
